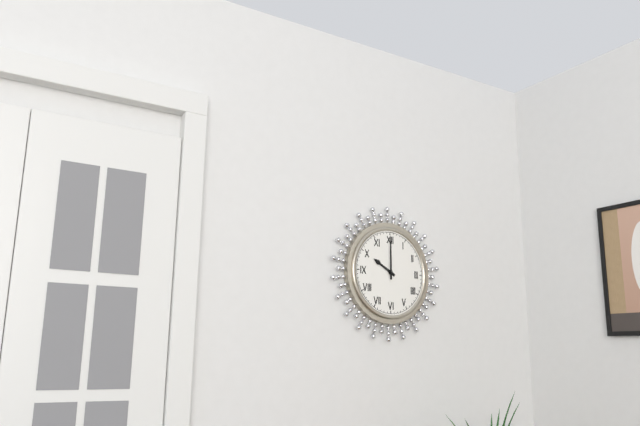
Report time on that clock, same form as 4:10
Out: 10:00
